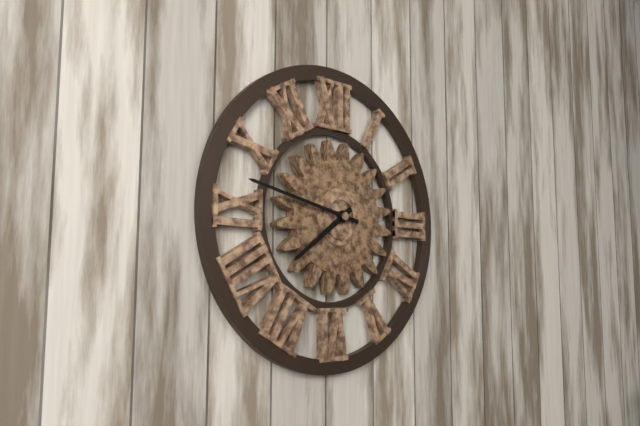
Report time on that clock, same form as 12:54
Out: 7:47
